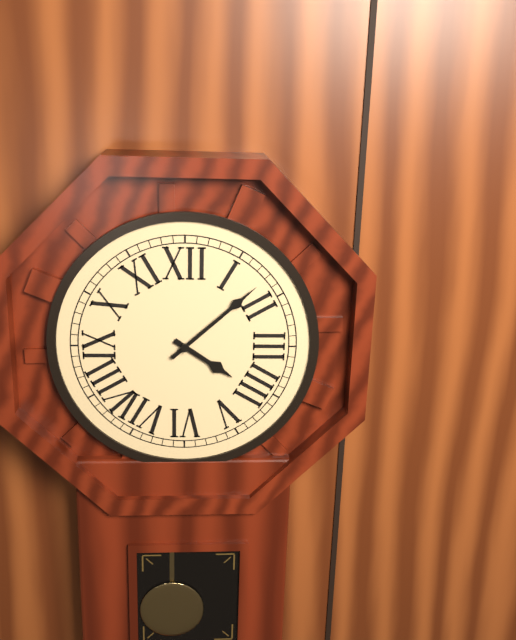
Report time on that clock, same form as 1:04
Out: 4:08
